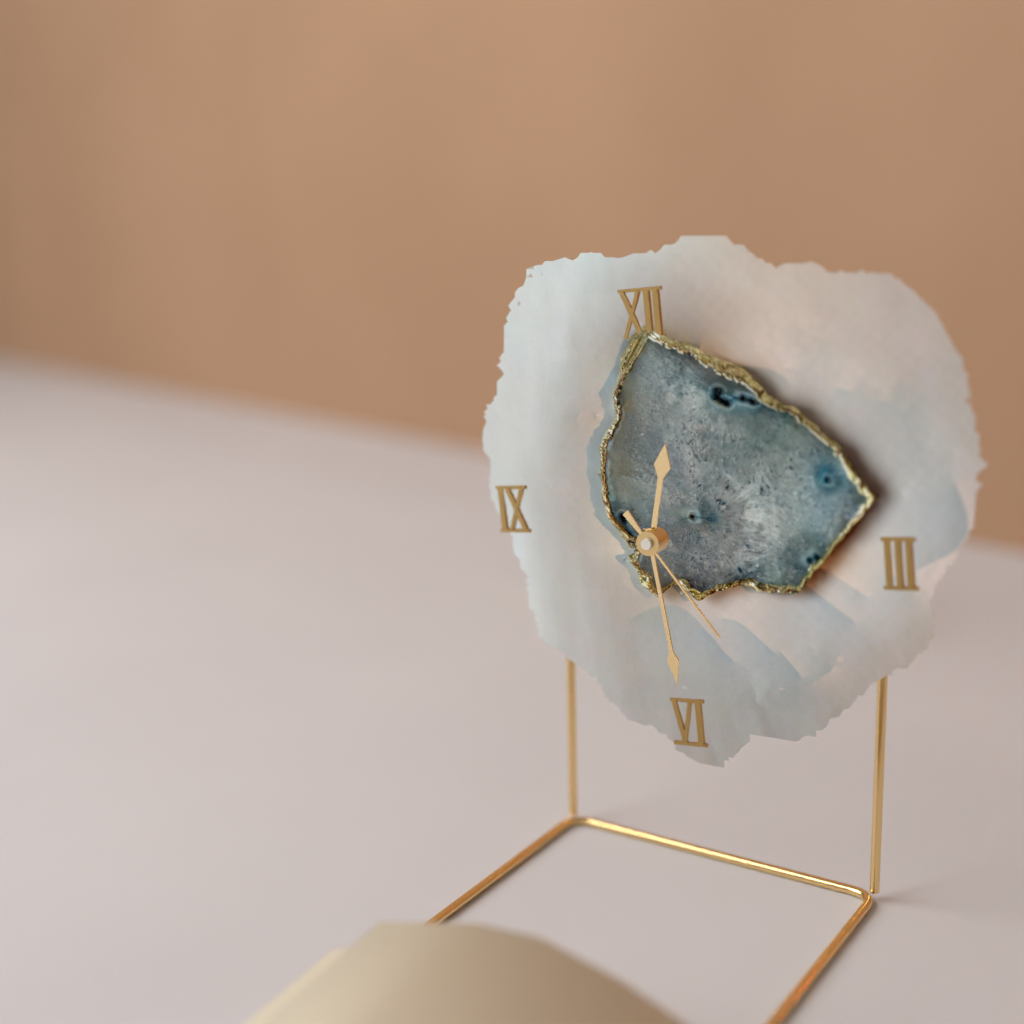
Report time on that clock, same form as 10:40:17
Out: 12:29:24
